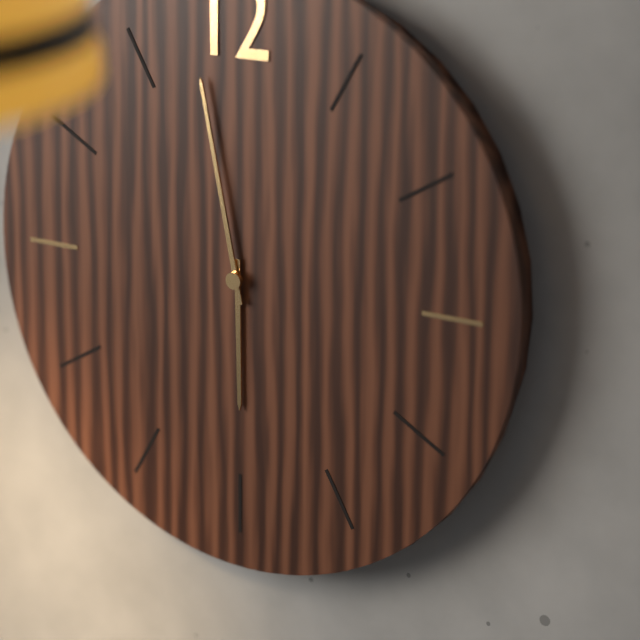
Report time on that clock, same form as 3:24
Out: 5:58
